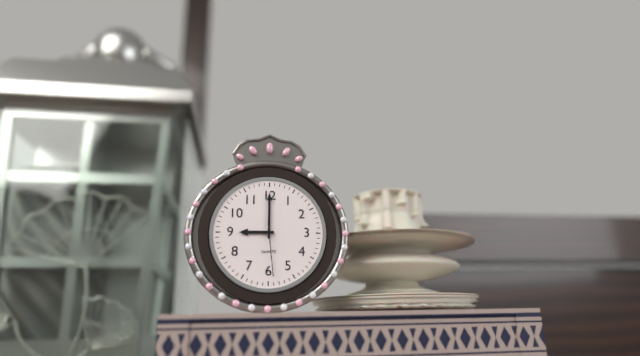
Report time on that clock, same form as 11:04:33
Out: 9:00:29
